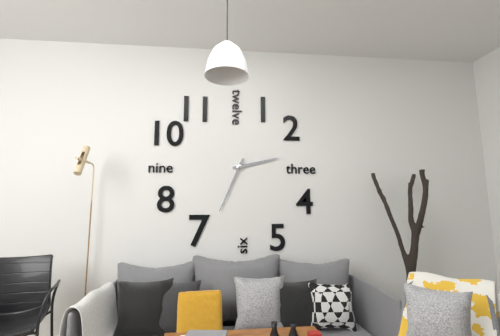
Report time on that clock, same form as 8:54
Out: 2:34
